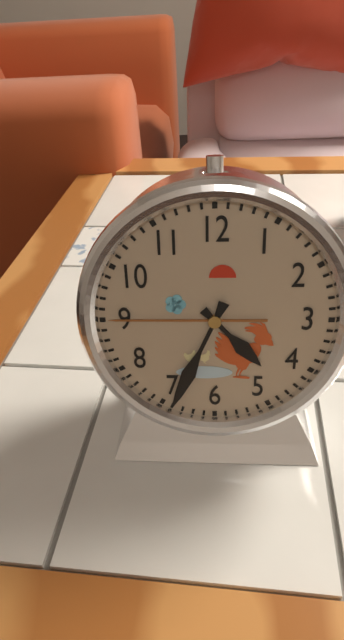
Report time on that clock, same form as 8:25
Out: 4:34
